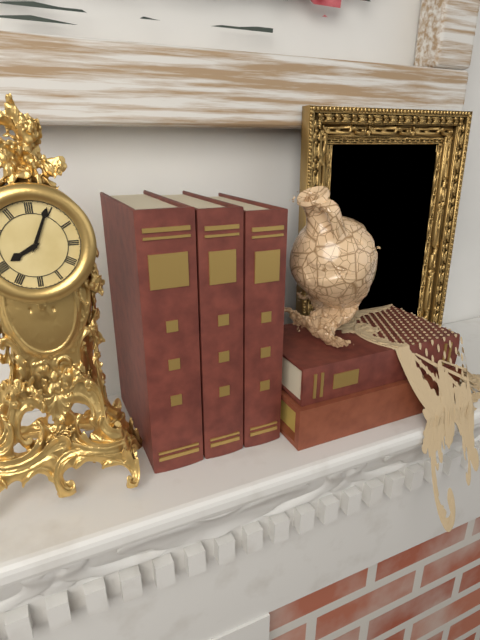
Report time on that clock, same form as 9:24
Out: 8:04
